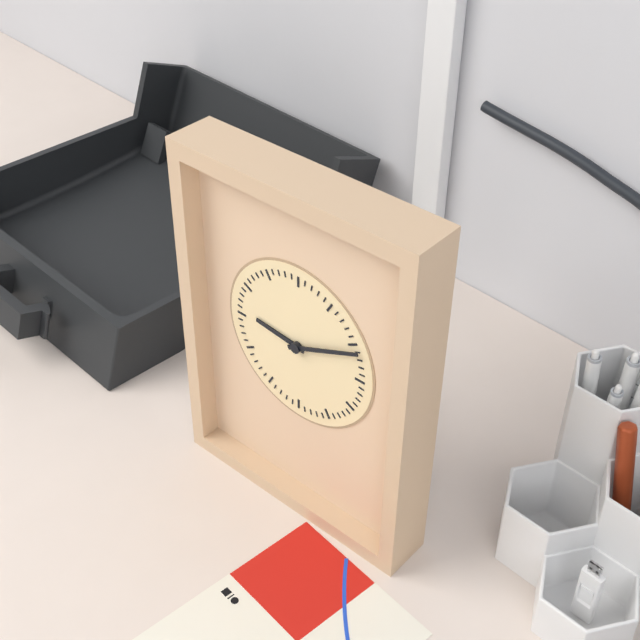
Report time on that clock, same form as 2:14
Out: 9:11
